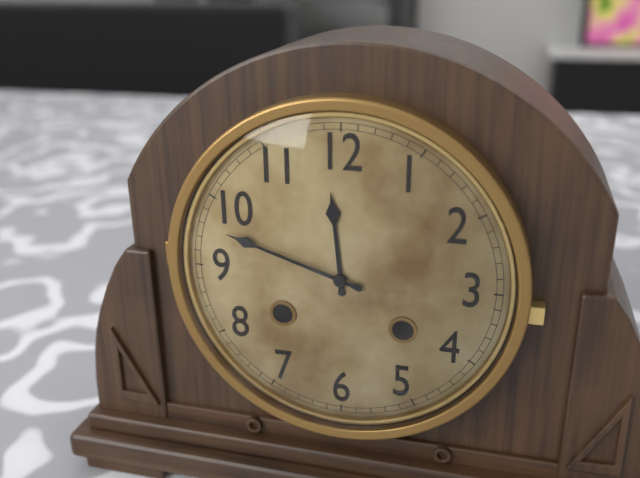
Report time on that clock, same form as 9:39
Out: 11:48
